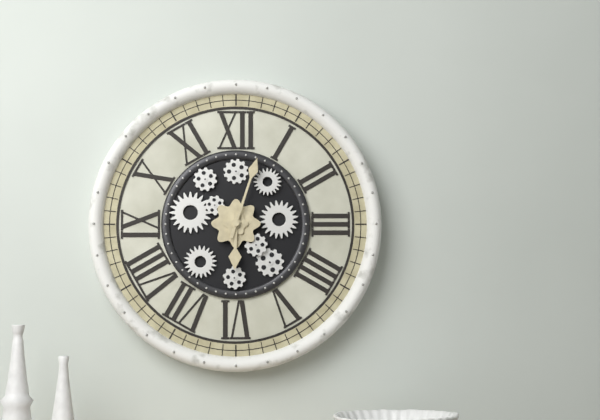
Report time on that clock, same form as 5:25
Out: 6:03
